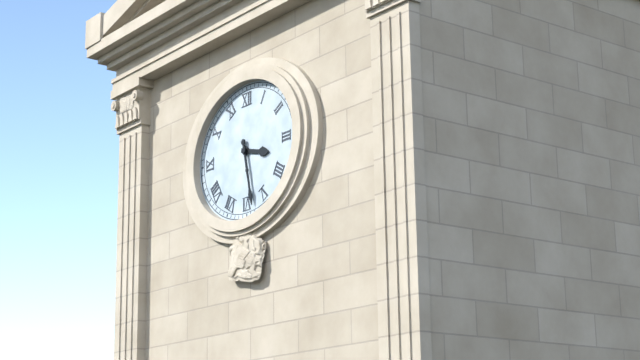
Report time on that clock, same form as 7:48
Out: 3:28
